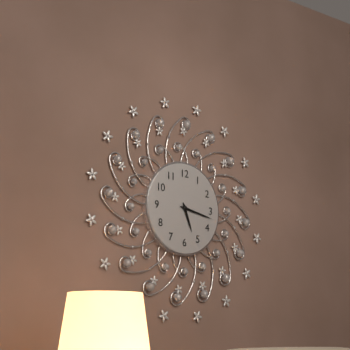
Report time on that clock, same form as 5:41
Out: 5:17
